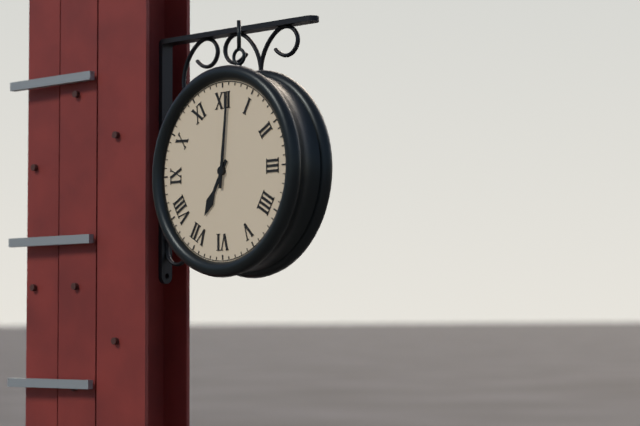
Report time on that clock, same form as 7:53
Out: 7:01
